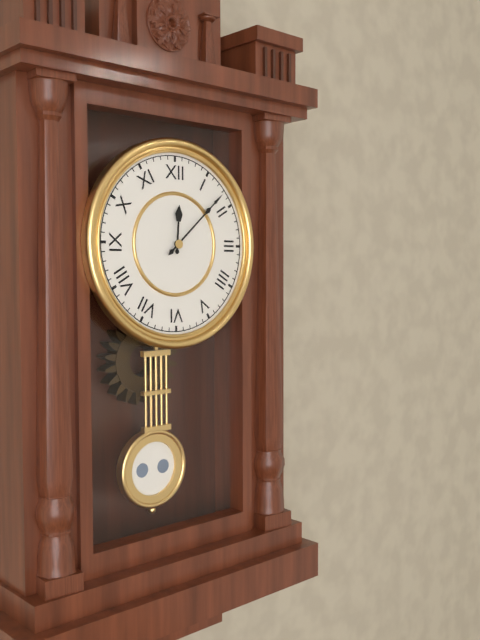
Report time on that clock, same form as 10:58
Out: 12:08
